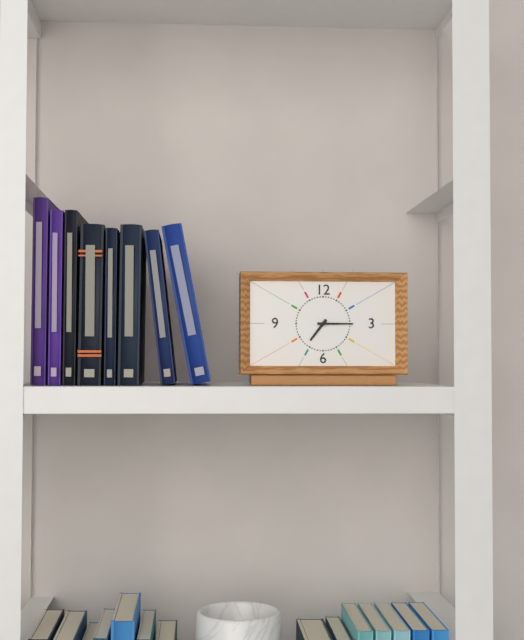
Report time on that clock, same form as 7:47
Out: 7:15
